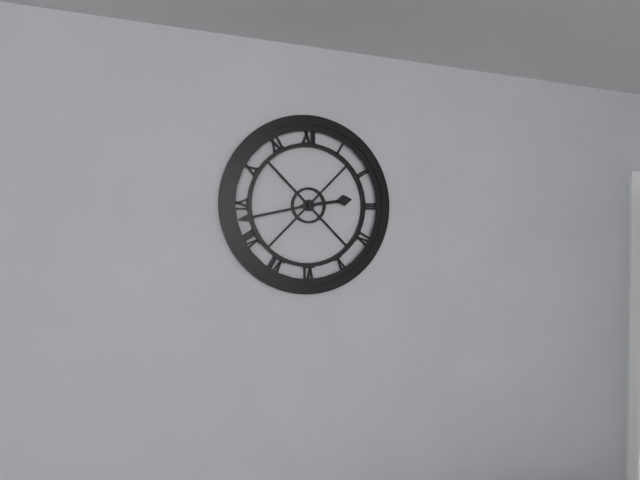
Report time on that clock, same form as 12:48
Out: 2:43
